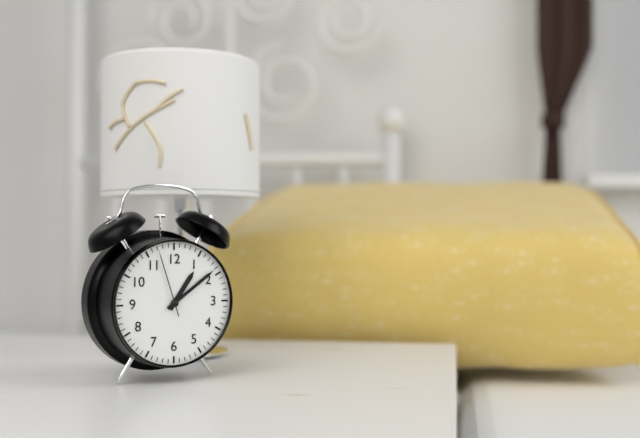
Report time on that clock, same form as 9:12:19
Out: 1:09:57
